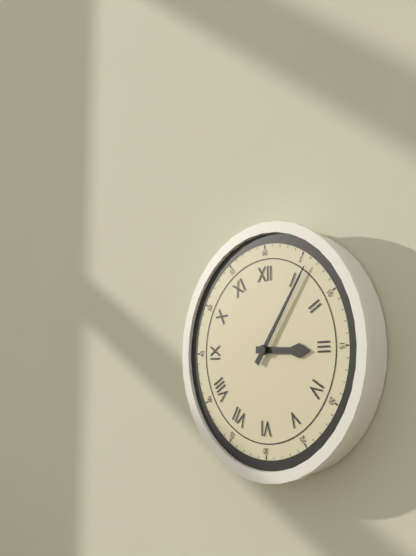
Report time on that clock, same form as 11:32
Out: 3:06
